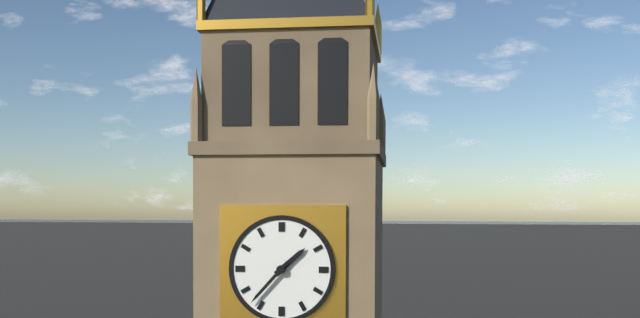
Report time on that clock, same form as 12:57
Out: 1:37
